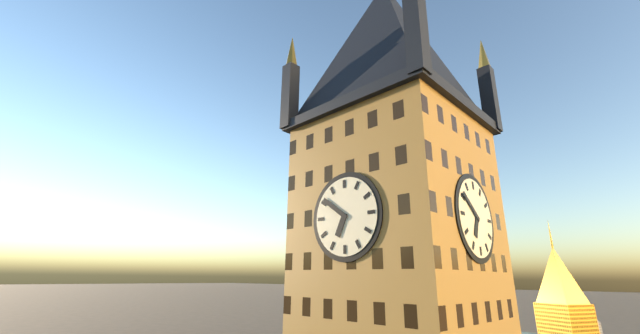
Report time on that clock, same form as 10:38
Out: 6:51
